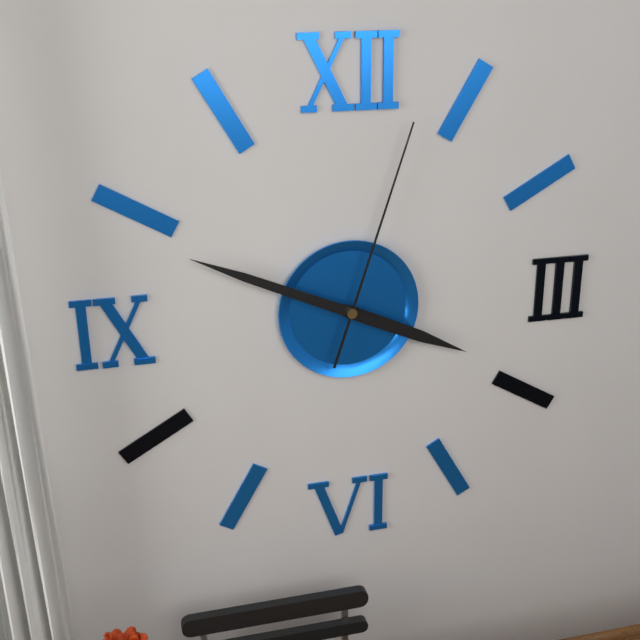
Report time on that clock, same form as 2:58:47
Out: 3:49:03
